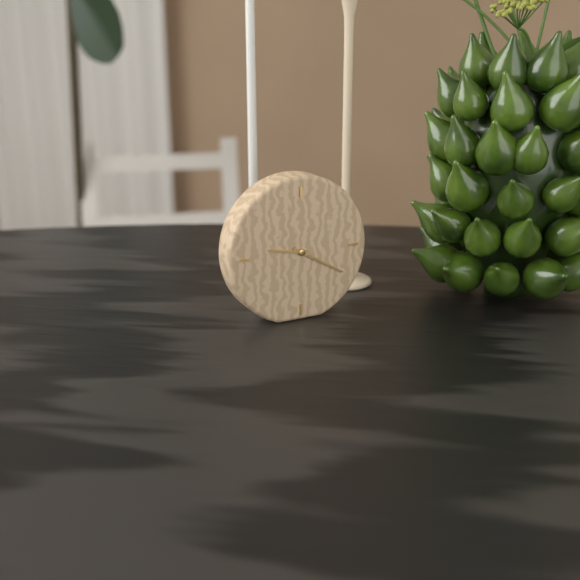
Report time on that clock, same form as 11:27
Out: 9:20
